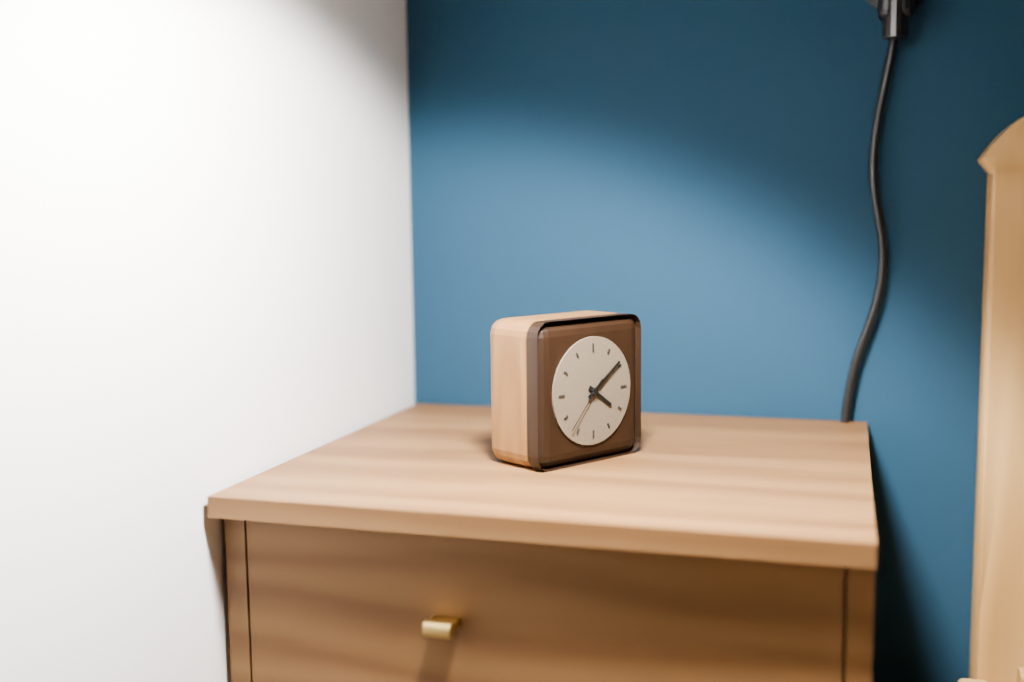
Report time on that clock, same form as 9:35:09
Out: 4:09:37
